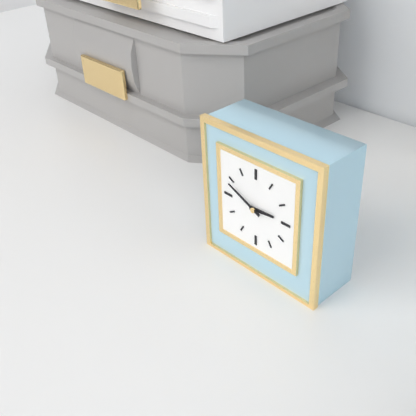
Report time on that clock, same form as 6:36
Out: 2:49
